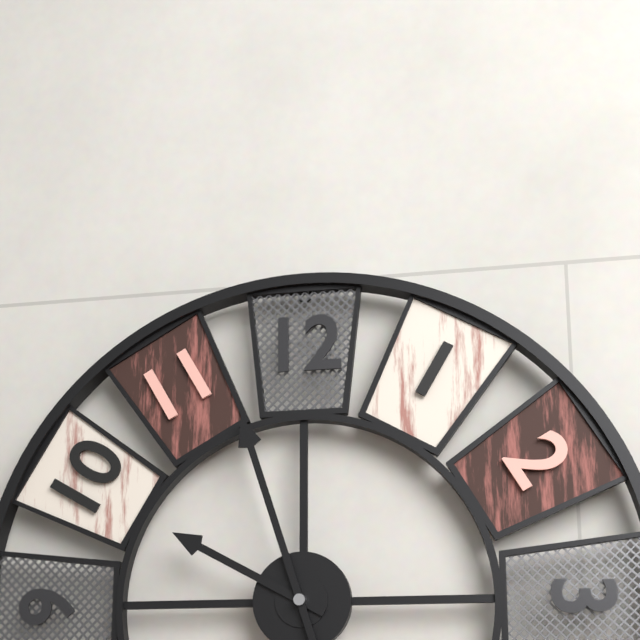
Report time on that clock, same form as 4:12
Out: 9:57
